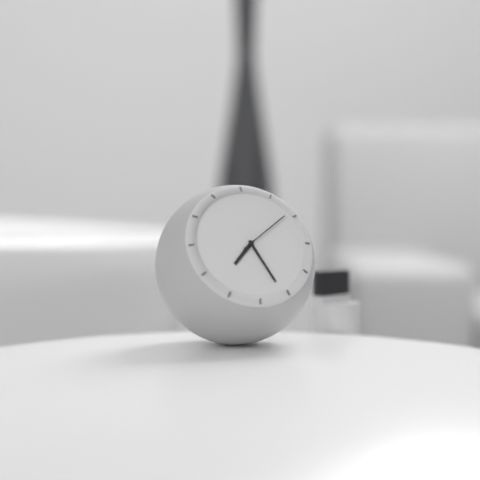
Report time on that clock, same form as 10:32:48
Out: 7:26:09
